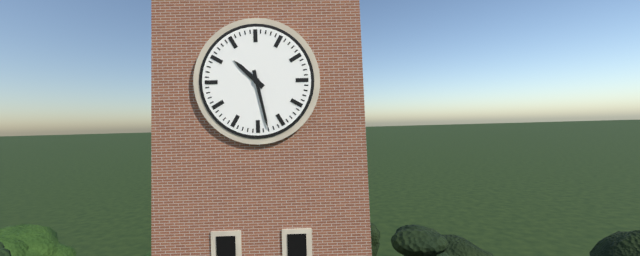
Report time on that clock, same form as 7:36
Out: 10:28
